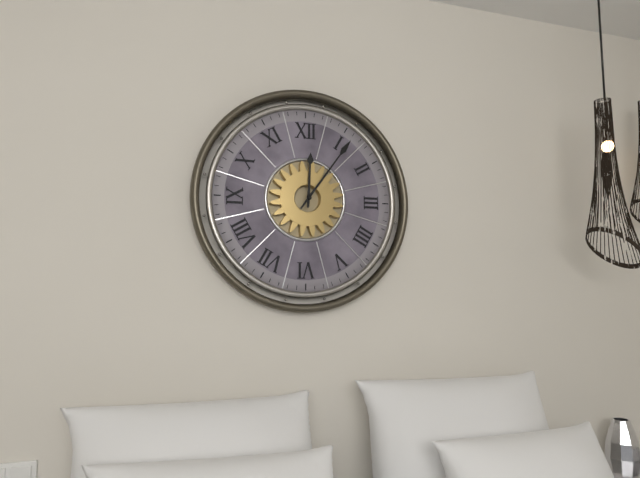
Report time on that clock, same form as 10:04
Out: 12:06
